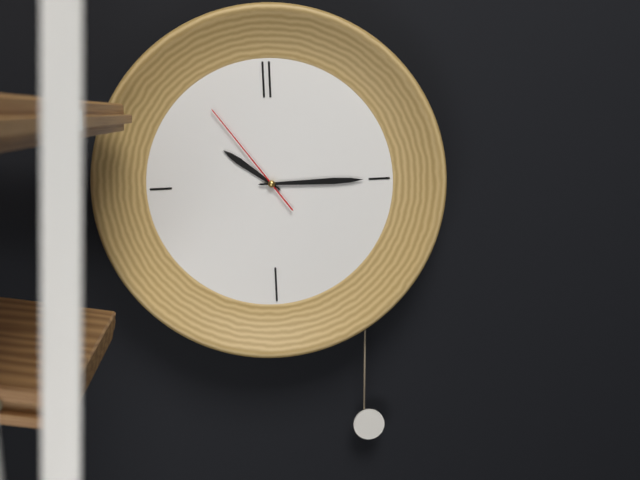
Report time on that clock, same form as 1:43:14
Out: 10:15:54
